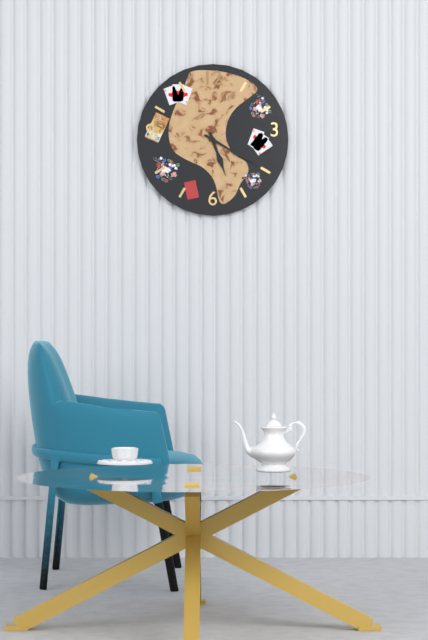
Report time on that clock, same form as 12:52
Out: 5:20
